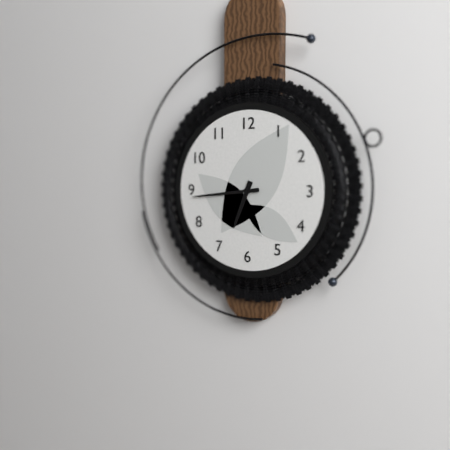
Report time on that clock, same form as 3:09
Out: 6:44
